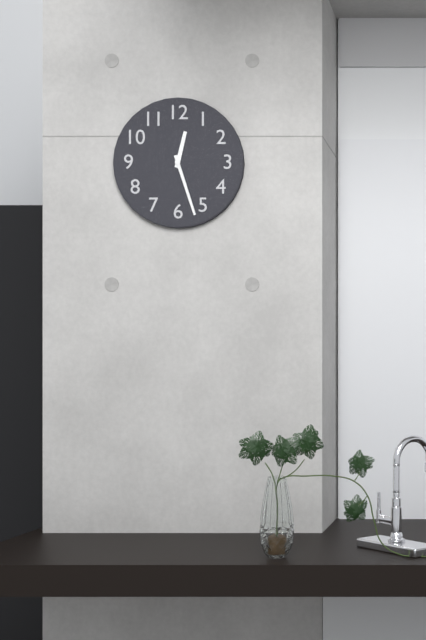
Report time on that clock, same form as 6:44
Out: 12:27
